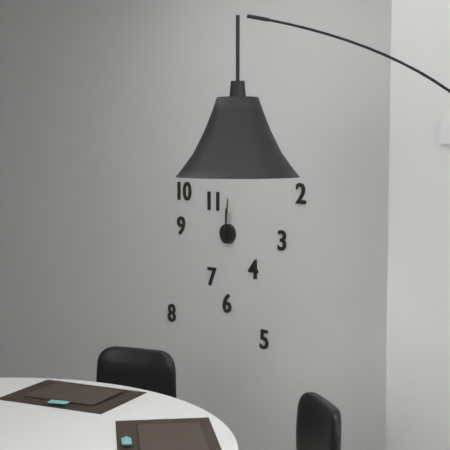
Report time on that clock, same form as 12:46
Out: 12:01
